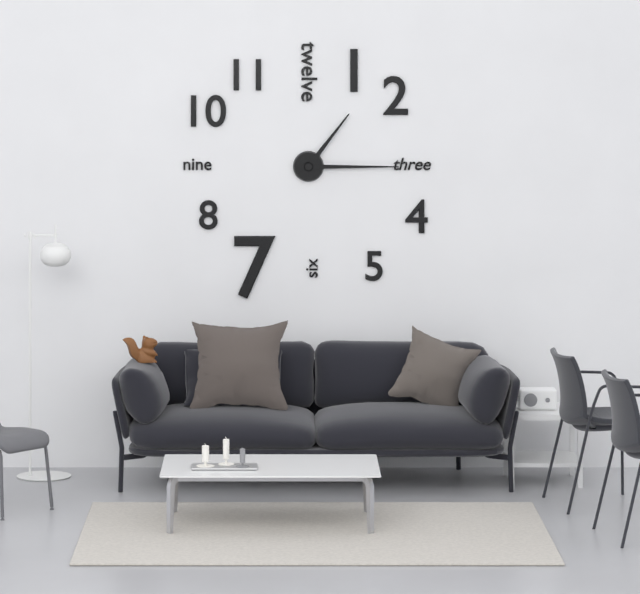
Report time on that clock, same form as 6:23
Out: 1:15
